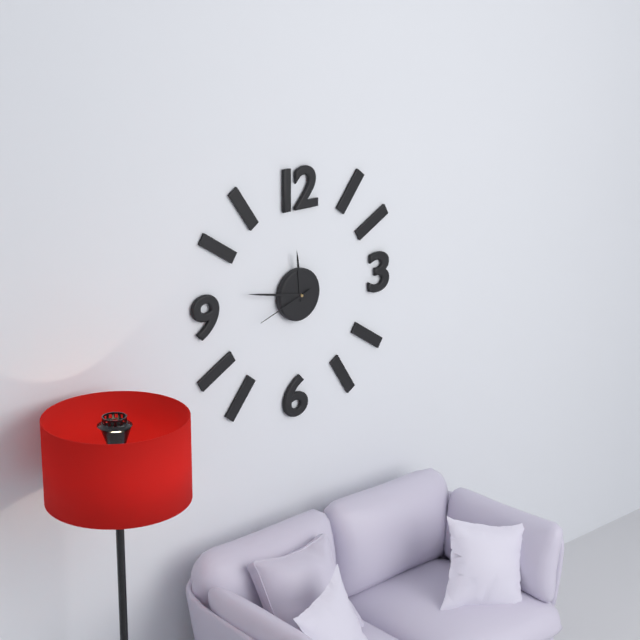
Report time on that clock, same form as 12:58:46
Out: 11:47:42
